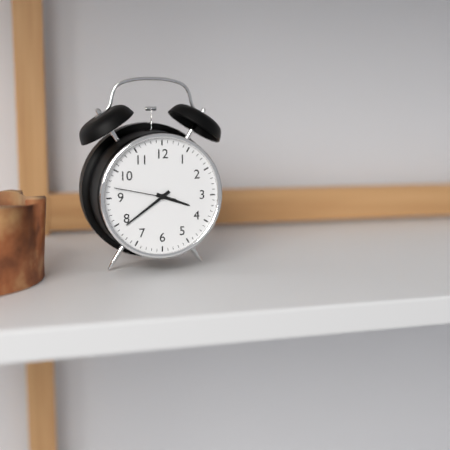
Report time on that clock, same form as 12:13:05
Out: 3:39:47
